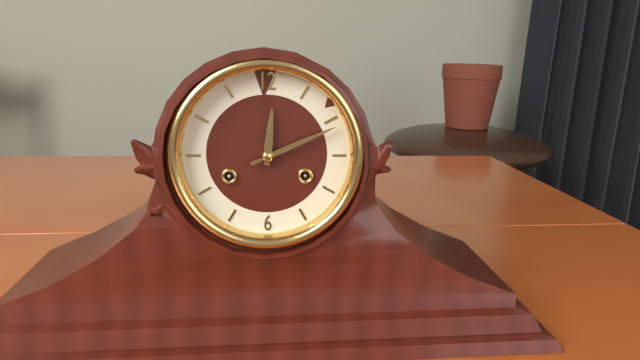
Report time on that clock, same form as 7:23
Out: 12:11
